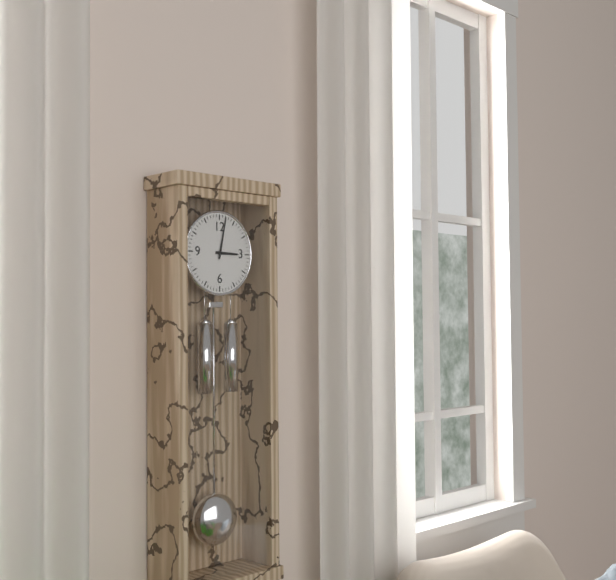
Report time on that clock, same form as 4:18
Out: 3:02
